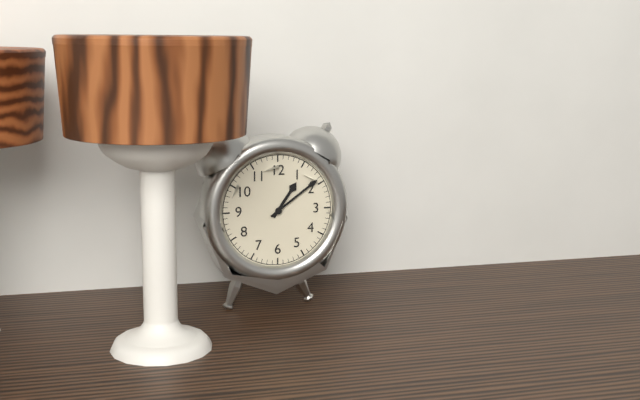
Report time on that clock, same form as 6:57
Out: 1:09
